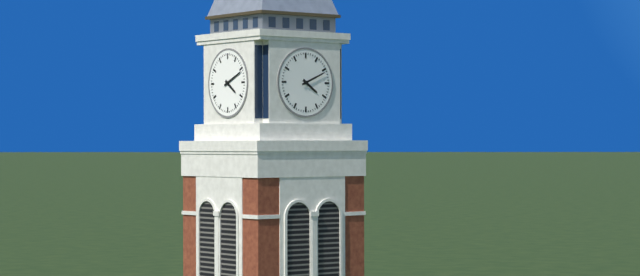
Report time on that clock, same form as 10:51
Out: 4:11
